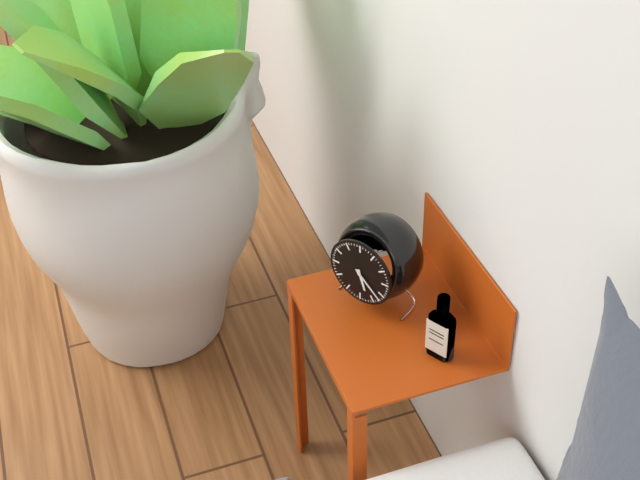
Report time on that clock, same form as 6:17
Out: 5:22
